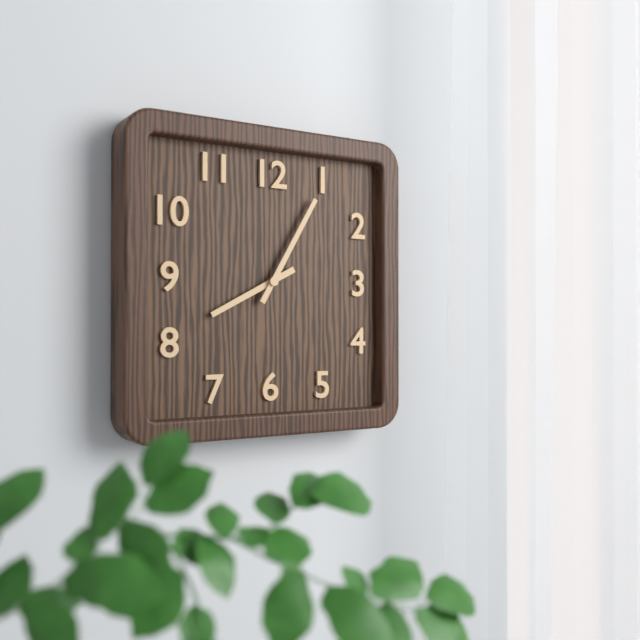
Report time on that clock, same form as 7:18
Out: 8:05
